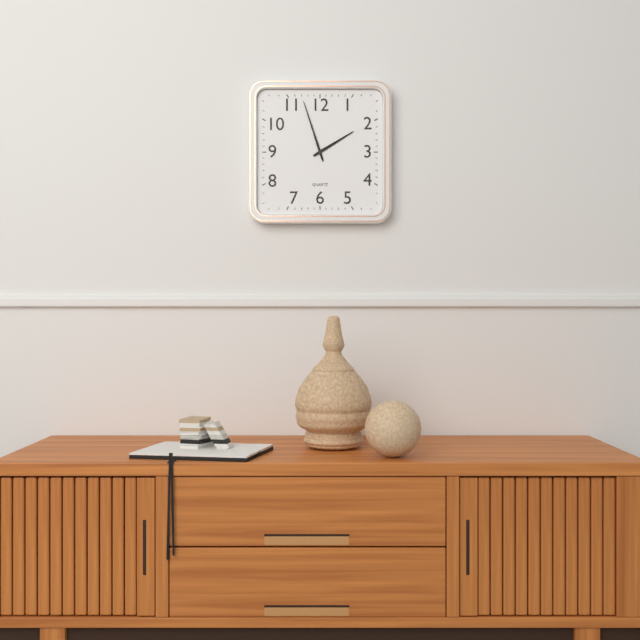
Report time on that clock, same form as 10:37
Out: 1:57
